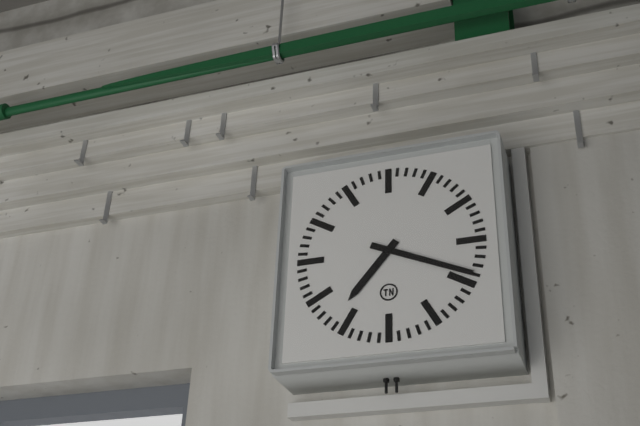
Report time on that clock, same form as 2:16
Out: 7:19
